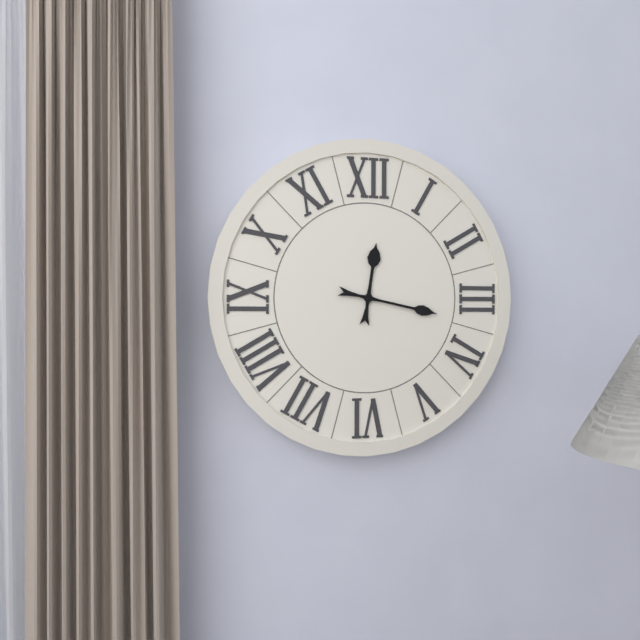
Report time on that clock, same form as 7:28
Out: 12:17
